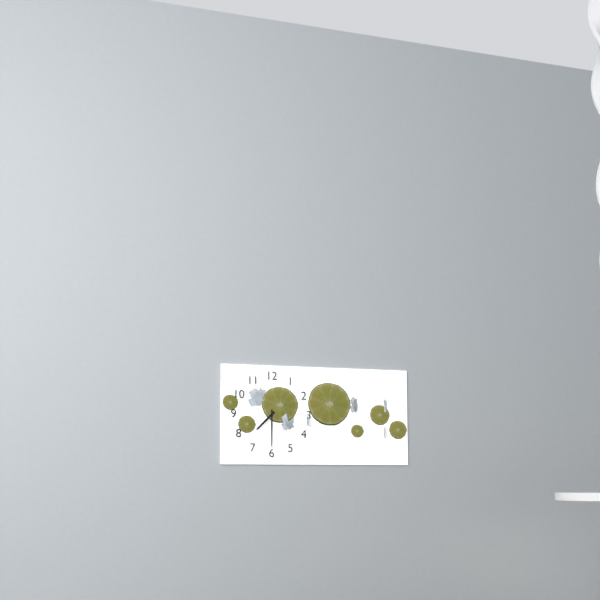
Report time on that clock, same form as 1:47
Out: 7:30
